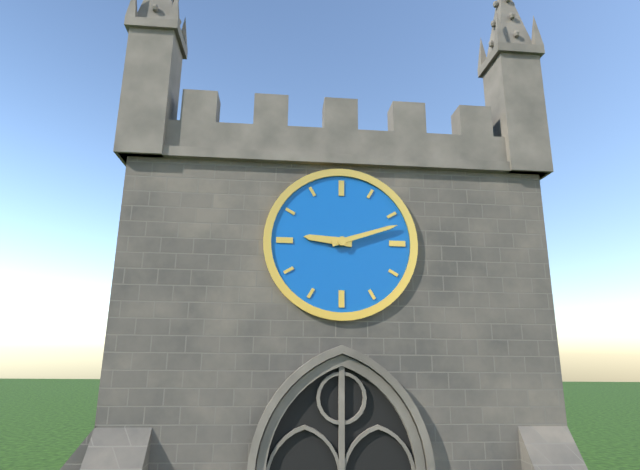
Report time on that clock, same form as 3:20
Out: 9:12
